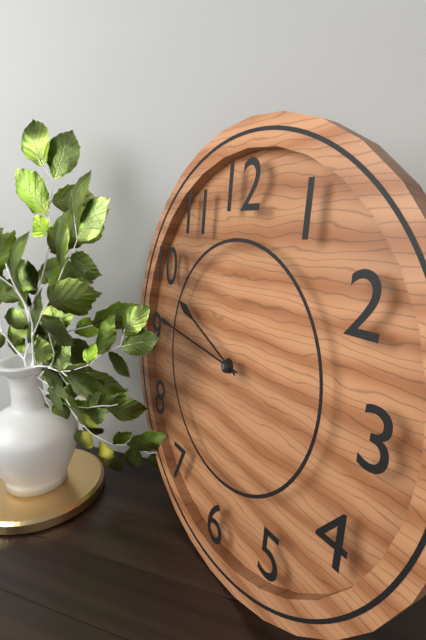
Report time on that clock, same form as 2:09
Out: 9:46
